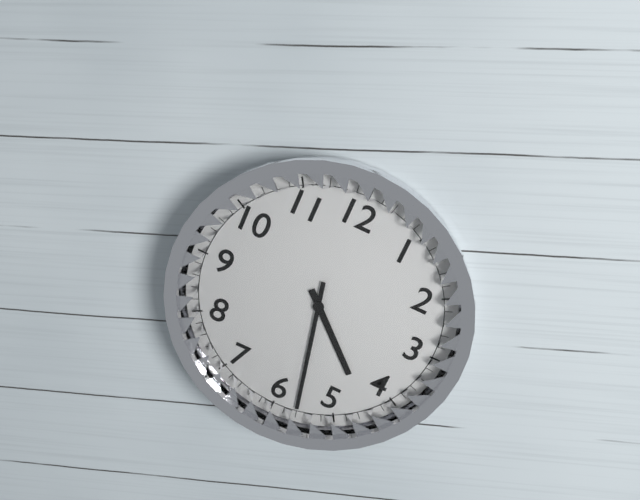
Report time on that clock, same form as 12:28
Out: 4:28
